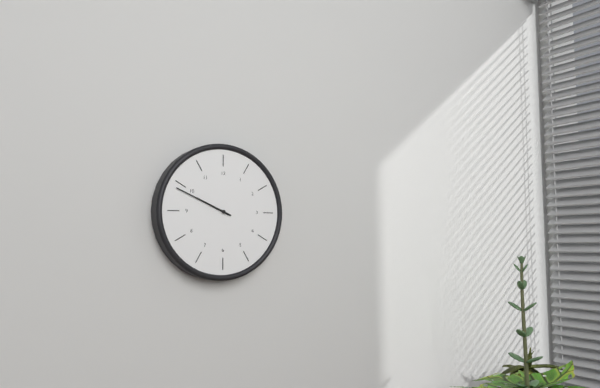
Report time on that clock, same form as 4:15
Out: 9:49
